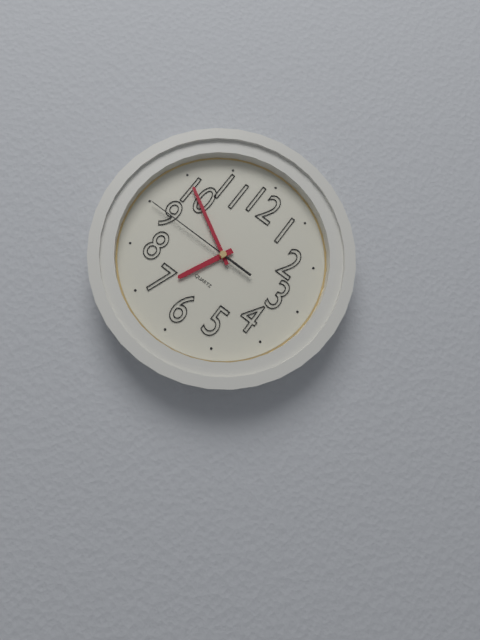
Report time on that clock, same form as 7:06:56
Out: 6:50:45
